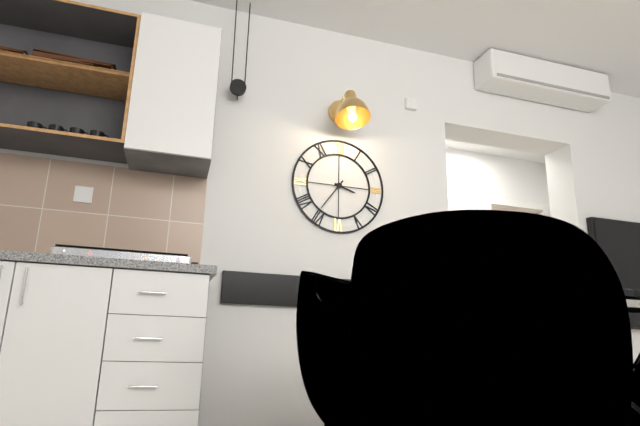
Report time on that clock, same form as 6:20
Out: 3:36
